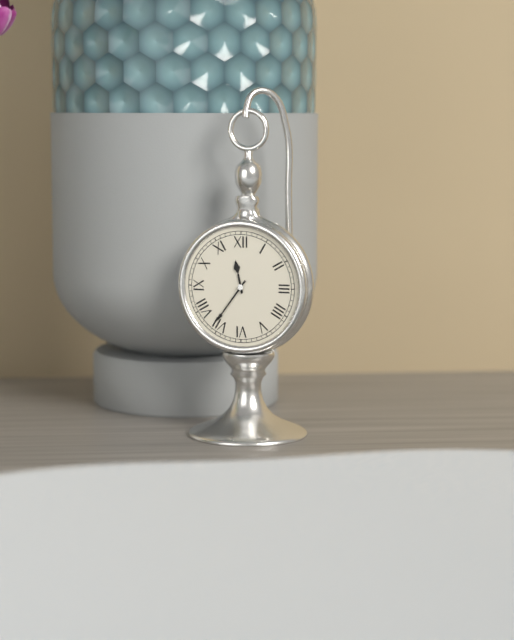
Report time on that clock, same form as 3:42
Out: 11:36
